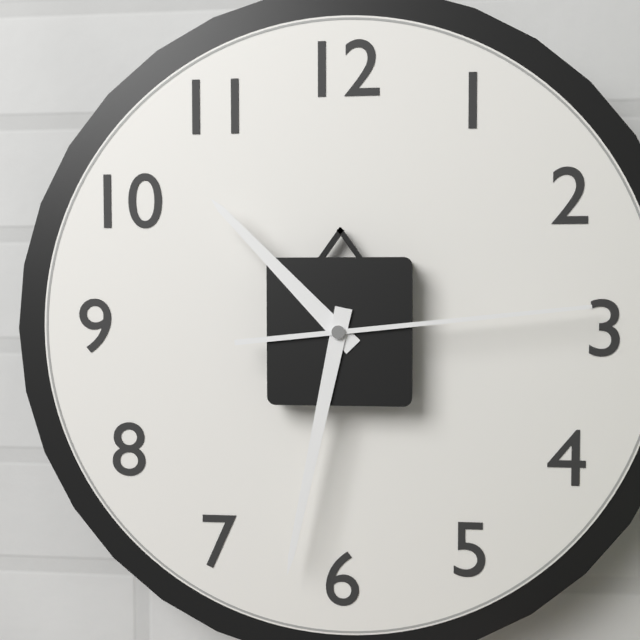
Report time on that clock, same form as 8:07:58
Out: 10:32:14
